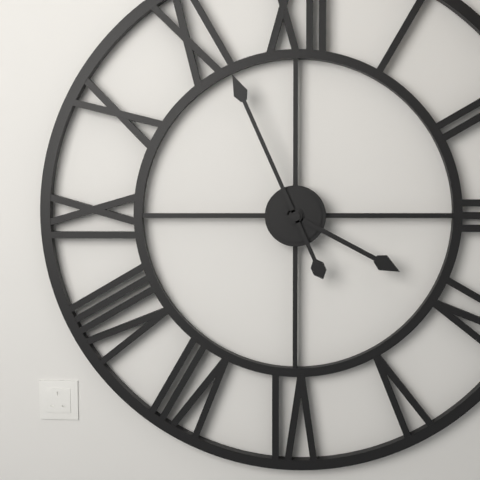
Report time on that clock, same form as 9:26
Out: 3:56
